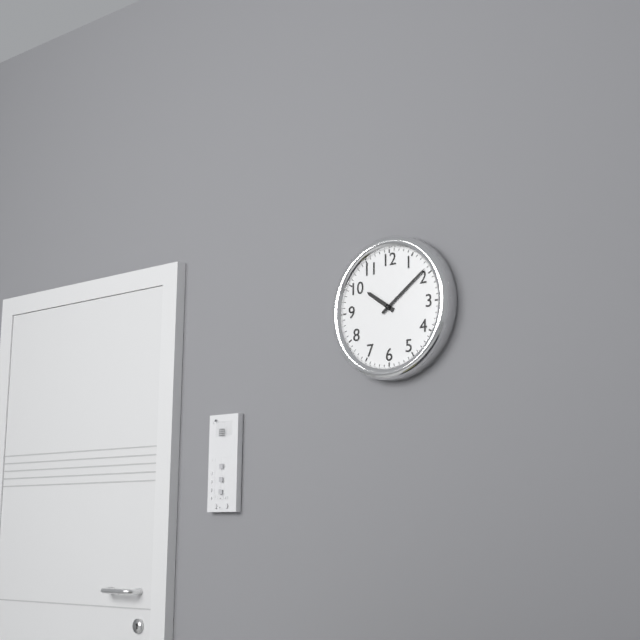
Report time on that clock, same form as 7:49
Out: 10:09
